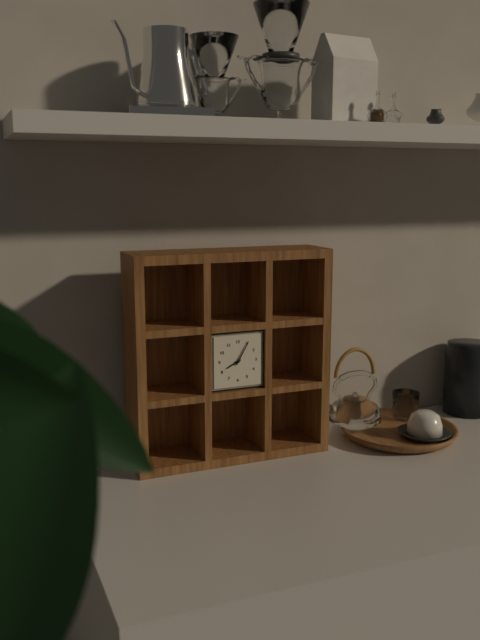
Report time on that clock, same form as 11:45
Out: 8:05
